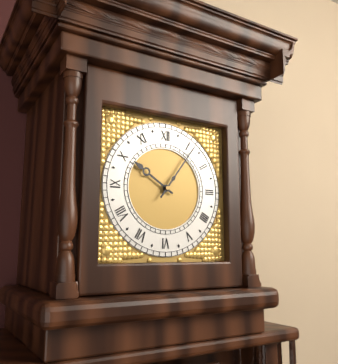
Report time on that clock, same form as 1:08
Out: 10:06
